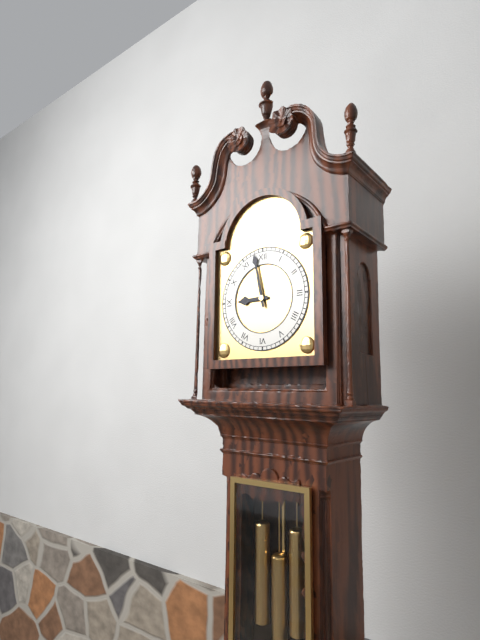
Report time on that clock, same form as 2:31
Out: 8:58
